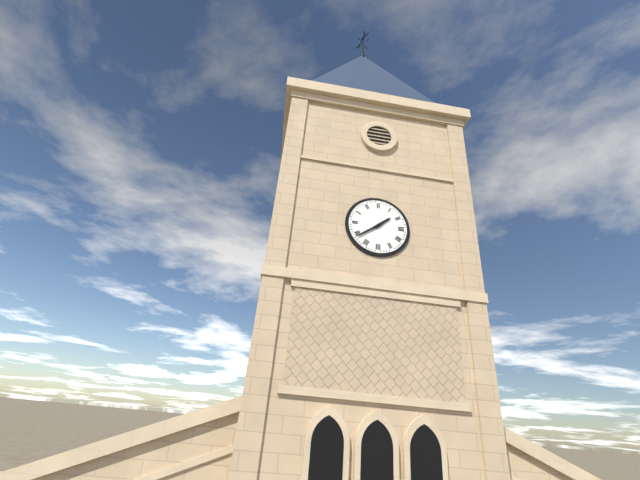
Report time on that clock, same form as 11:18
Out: 1:39
